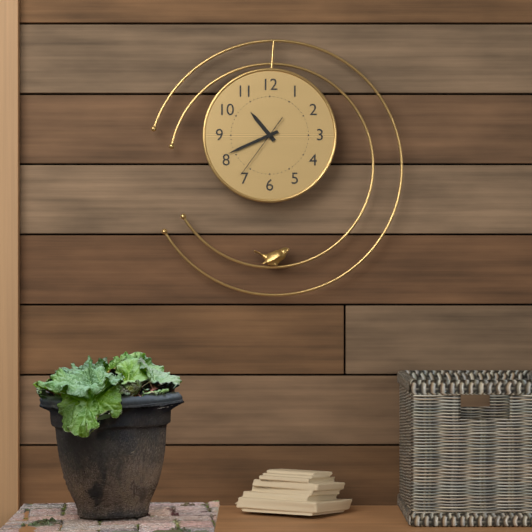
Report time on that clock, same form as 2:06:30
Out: 10:41:36
